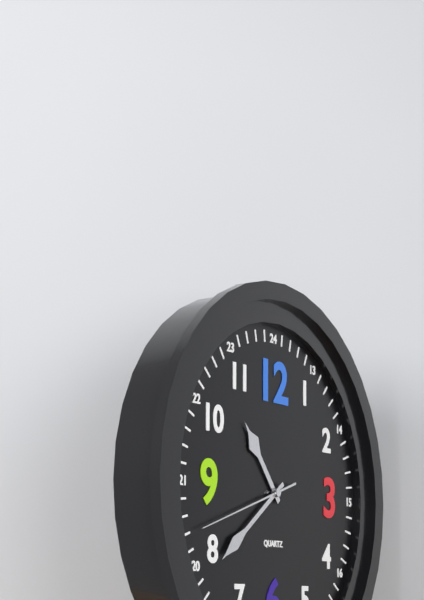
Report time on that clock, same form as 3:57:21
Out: 10:39:42
